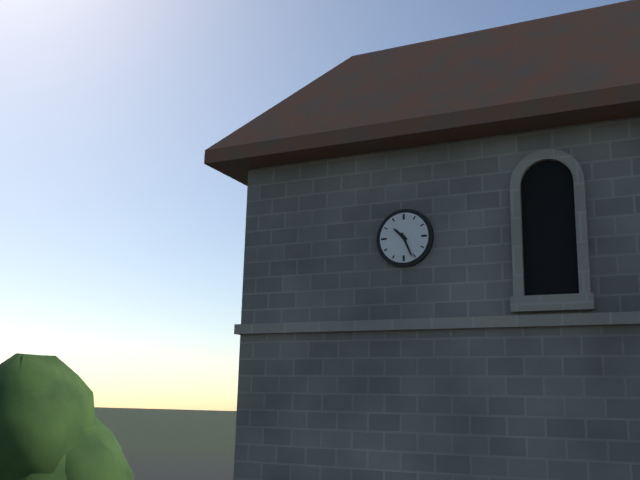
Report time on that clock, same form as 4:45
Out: 10:26
